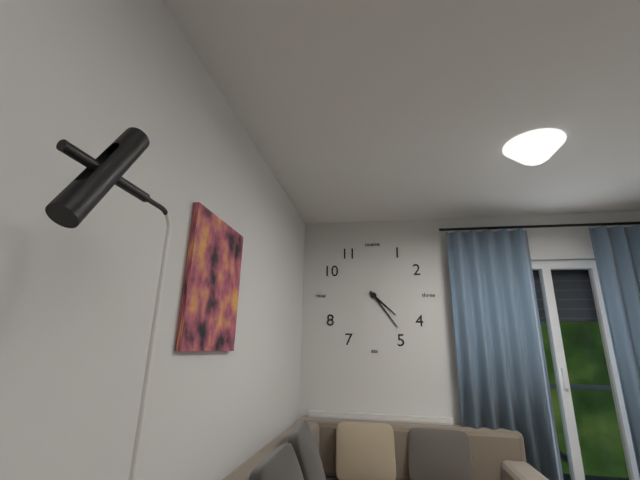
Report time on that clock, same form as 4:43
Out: 4:24
